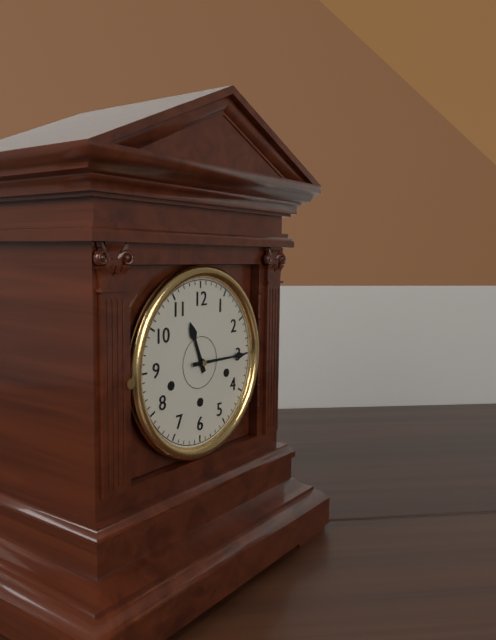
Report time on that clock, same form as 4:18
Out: 11:15
